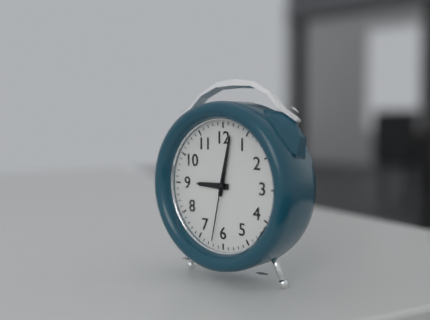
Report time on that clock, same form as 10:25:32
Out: 9:02:32
